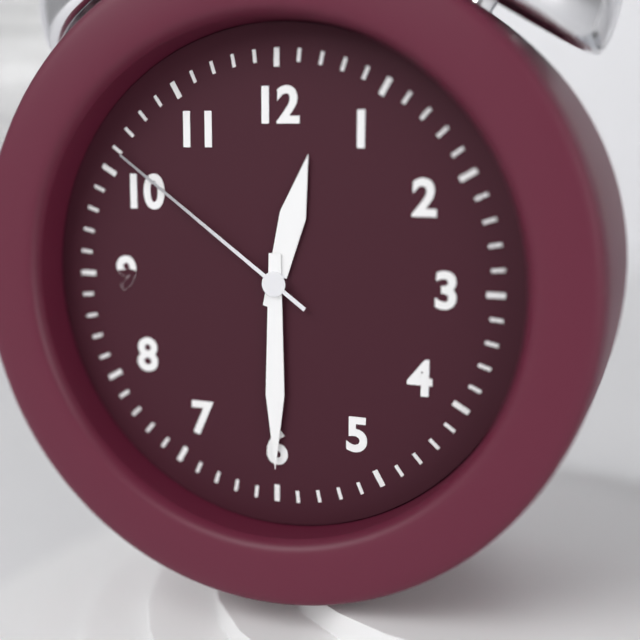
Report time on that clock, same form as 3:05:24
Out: 12:30:51
